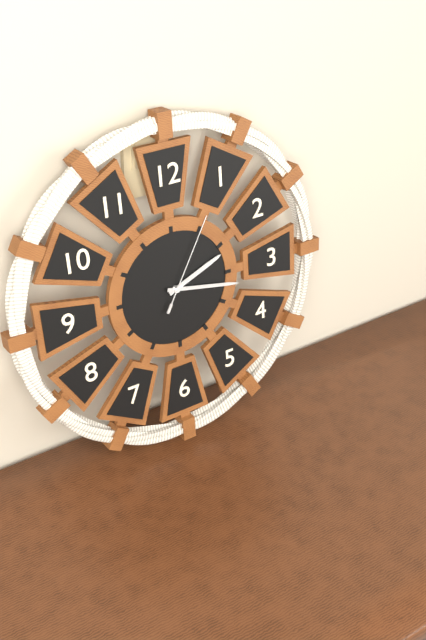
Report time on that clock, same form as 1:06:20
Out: 2:17:05
